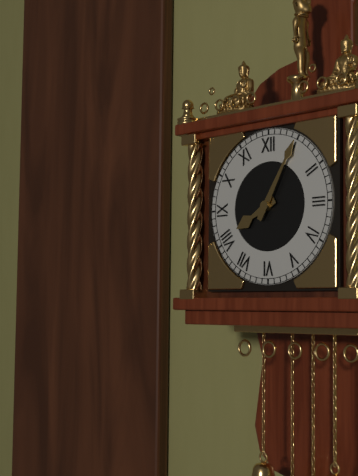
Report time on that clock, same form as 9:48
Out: 8:05
